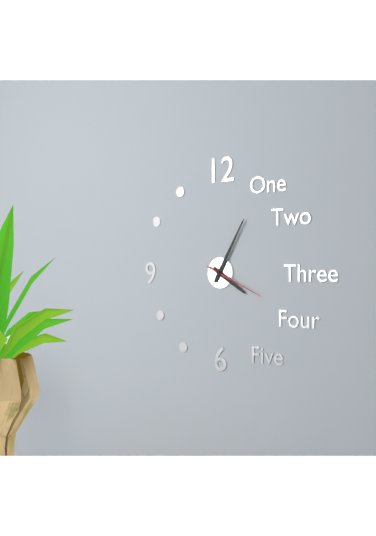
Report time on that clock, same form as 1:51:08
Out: 4:05:19
